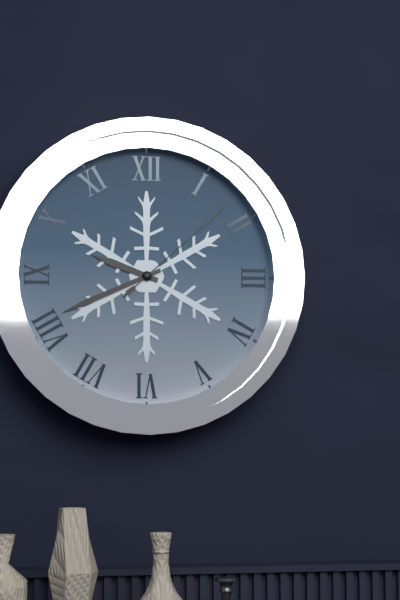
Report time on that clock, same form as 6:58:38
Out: 9:41:08
